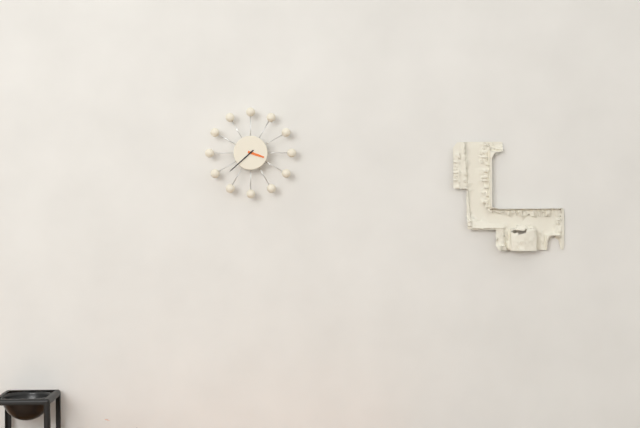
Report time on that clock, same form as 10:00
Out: 3:38
